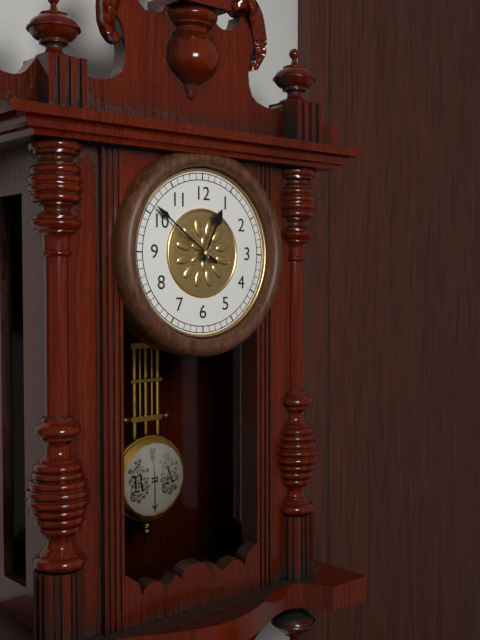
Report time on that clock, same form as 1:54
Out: 12:51
